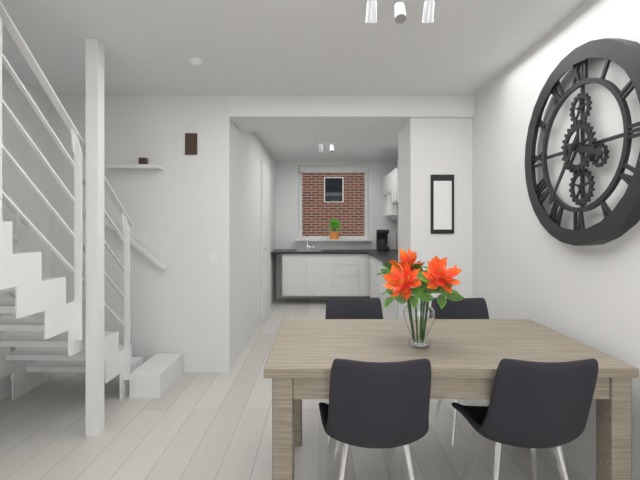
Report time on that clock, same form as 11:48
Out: 3:36
